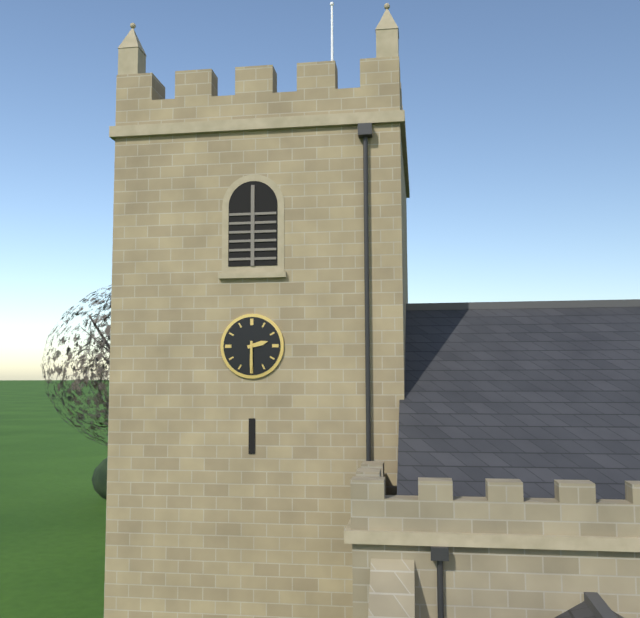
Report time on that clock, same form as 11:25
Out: 2:30
